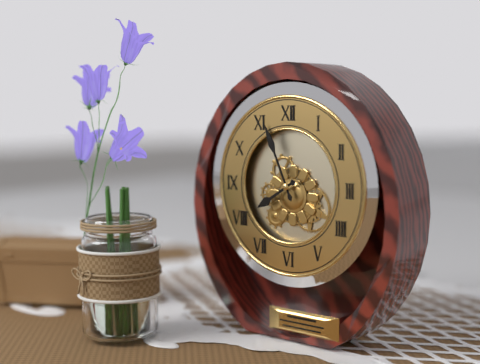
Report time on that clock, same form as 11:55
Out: 7:56
